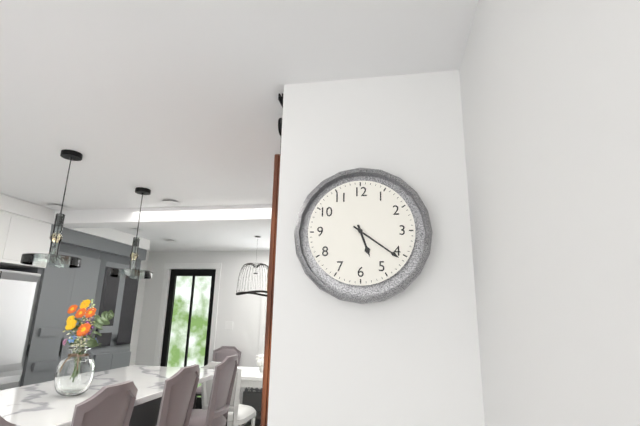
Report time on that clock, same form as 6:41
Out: 5:21
